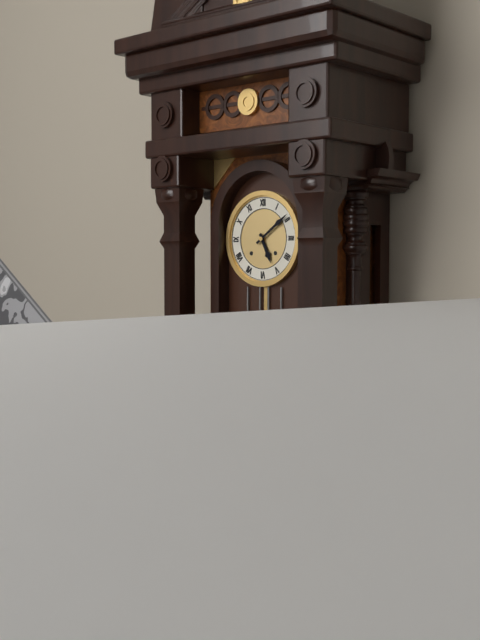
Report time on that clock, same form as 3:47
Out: 5:09
